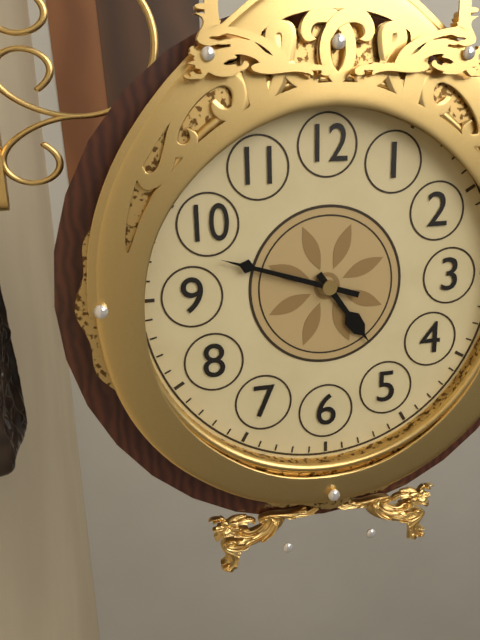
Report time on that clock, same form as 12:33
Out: 4:48
